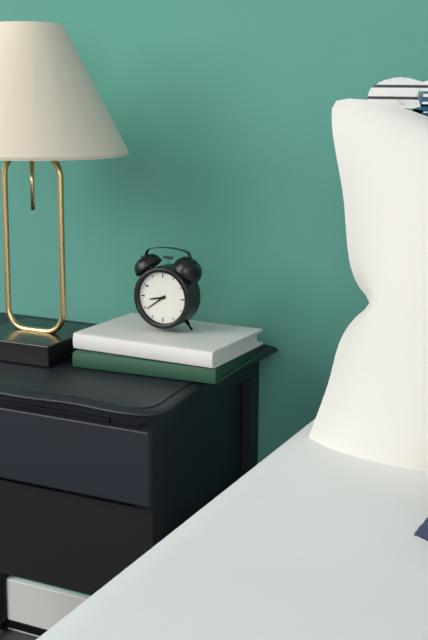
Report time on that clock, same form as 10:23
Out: 8:39
